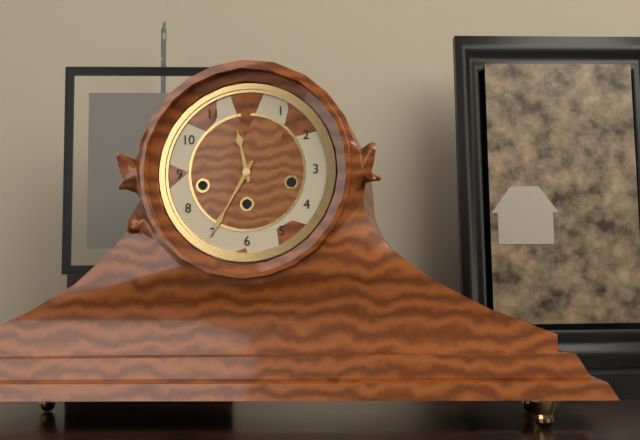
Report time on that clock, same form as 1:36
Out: 11:35
